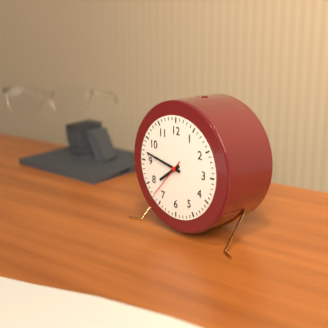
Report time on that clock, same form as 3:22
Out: 7:47
